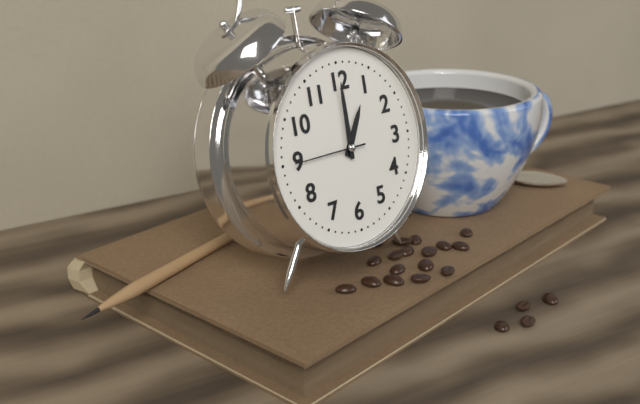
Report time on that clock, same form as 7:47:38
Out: 1:00:45
